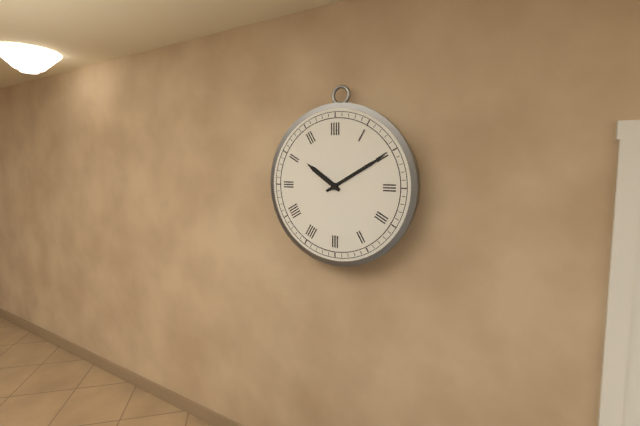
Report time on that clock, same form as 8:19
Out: 10:10
